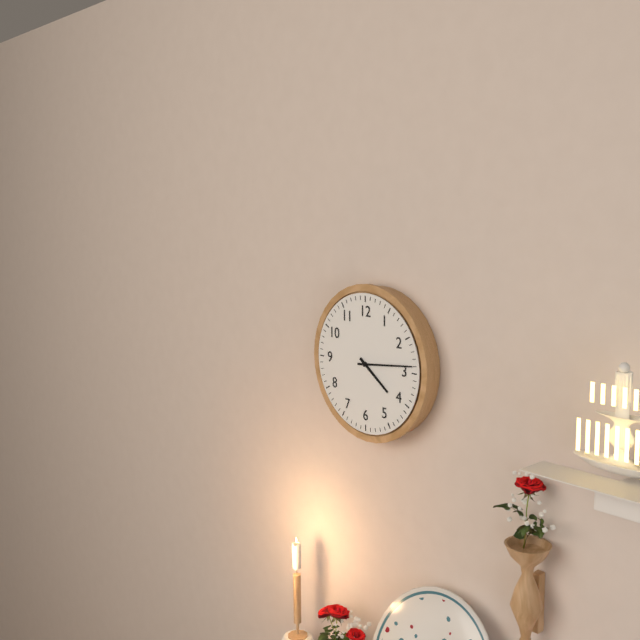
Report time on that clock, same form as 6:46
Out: 4:14
